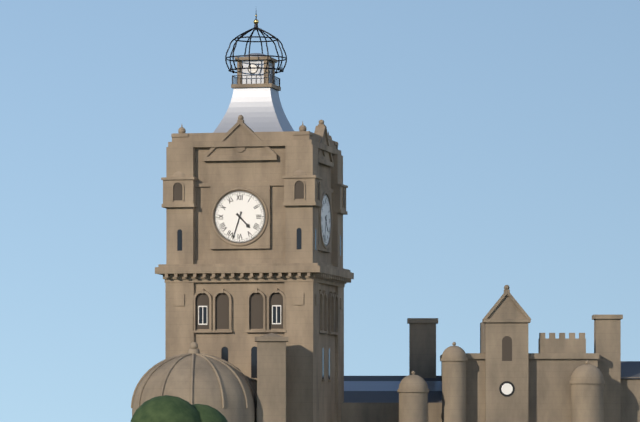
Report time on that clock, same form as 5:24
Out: 4:33
